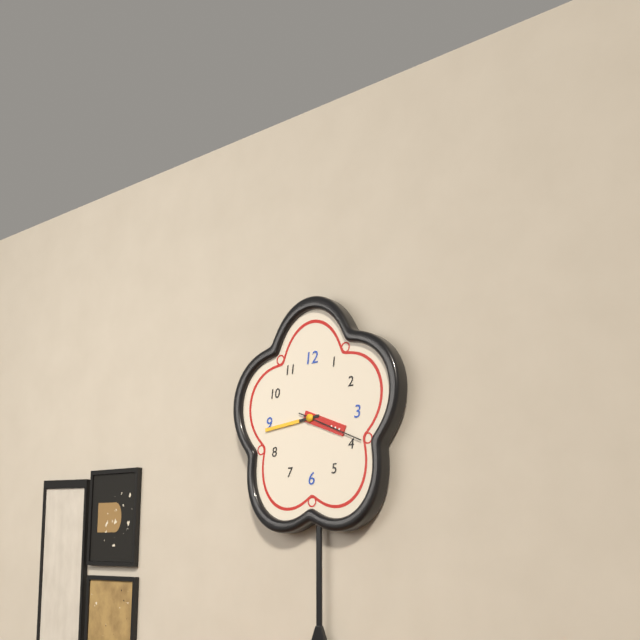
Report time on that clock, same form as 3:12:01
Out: 3:44:19
